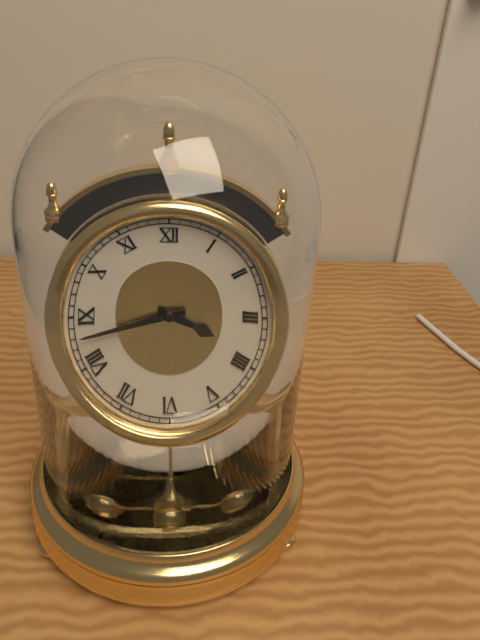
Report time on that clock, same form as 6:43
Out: 3:43
